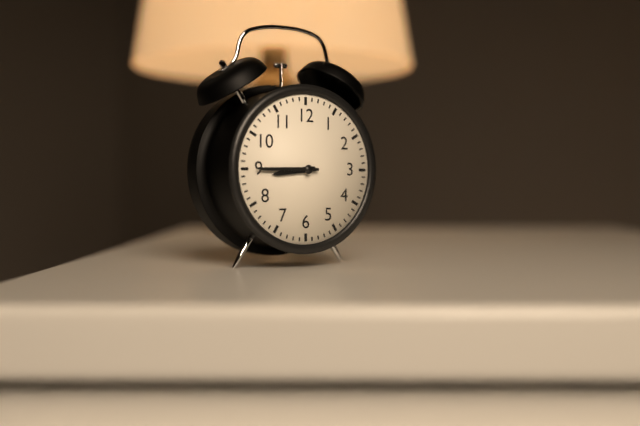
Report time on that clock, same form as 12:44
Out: 8:45
